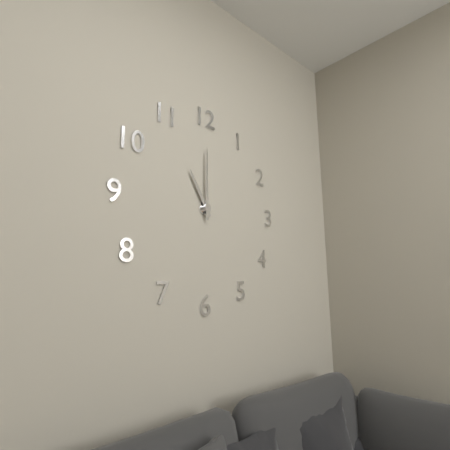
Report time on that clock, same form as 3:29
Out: 11:00
